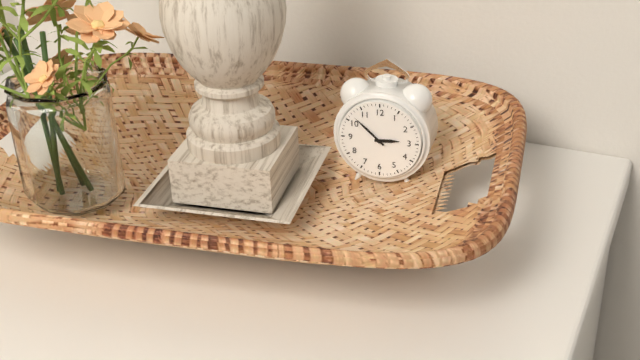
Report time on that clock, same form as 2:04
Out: 2:52
